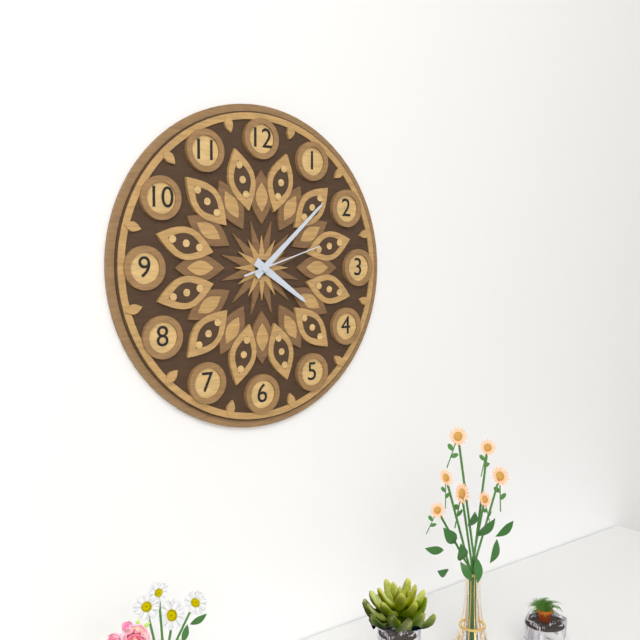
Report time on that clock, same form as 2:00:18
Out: 4:08:12
